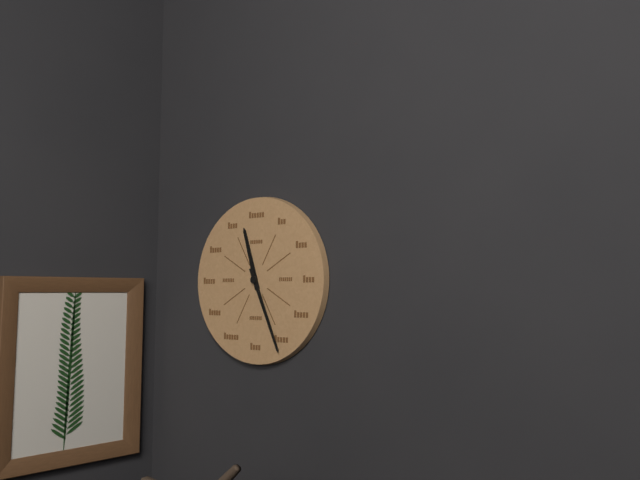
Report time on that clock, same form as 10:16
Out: 11:26
